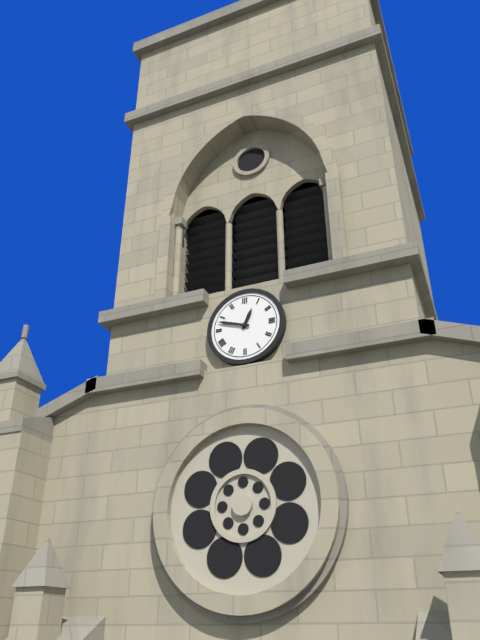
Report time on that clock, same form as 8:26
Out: 12:48
